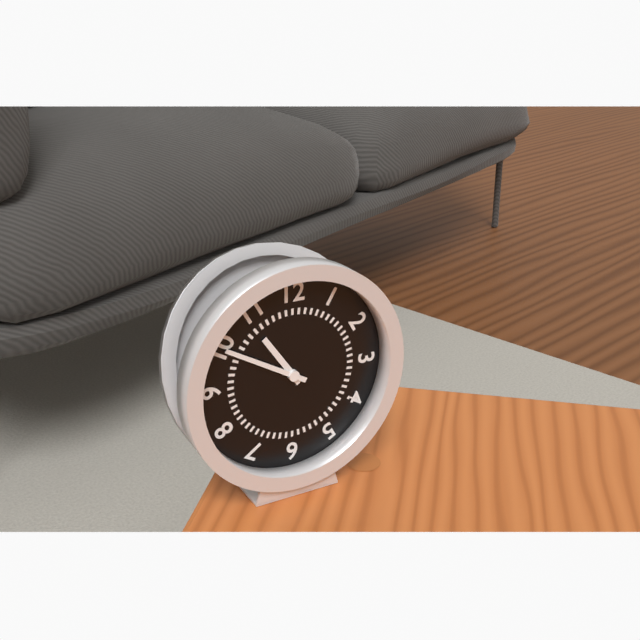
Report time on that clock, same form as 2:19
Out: 10:50
